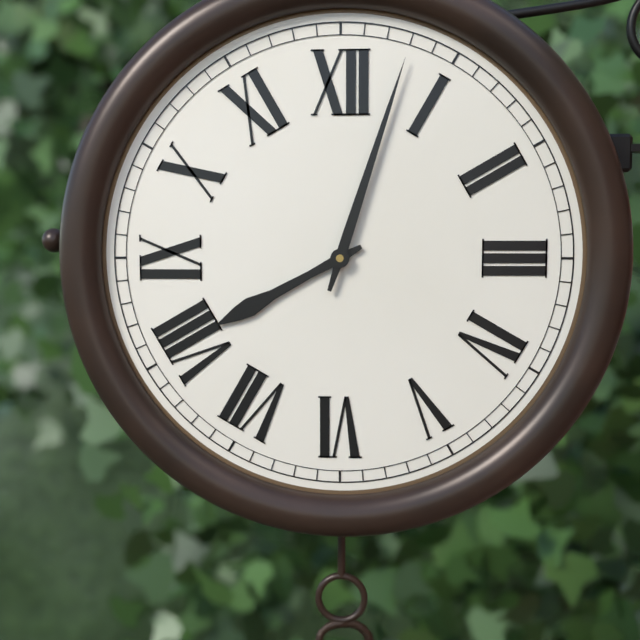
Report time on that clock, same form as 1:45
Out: 8:03
